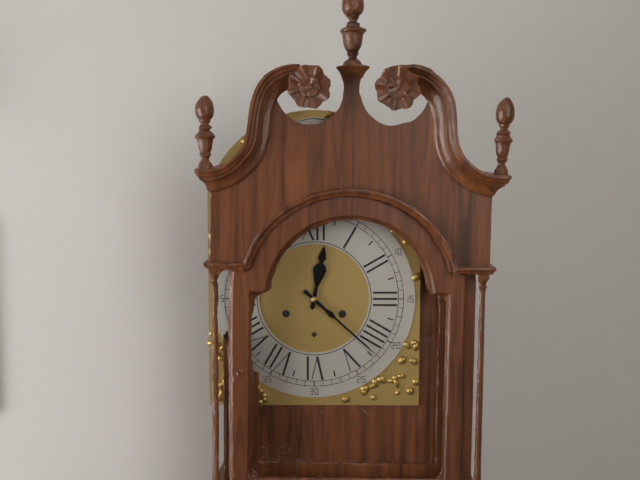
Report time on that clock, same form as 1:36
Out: 12:22
